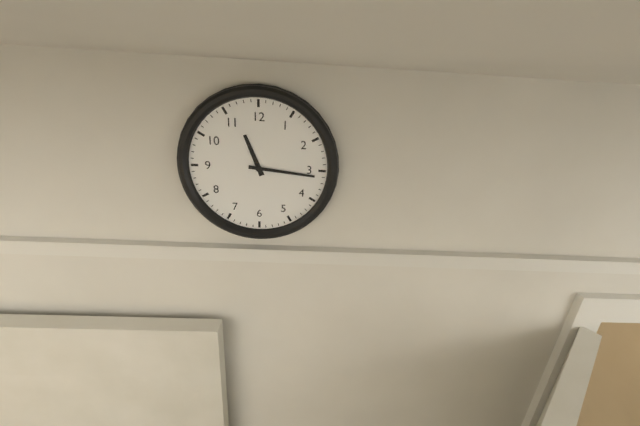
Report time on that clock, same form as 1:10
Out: 11:16
